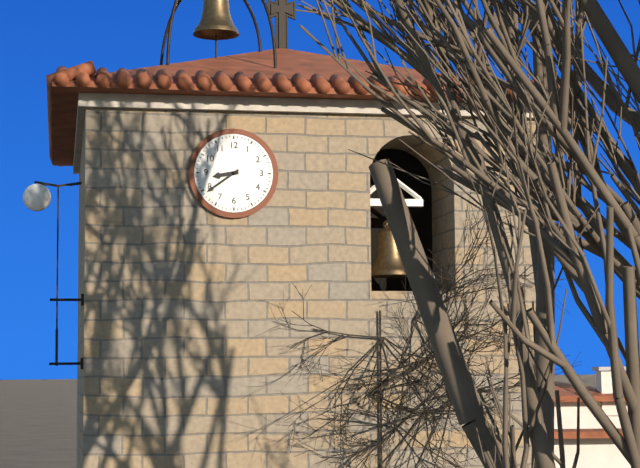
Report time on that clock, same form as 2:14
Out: 8:39
